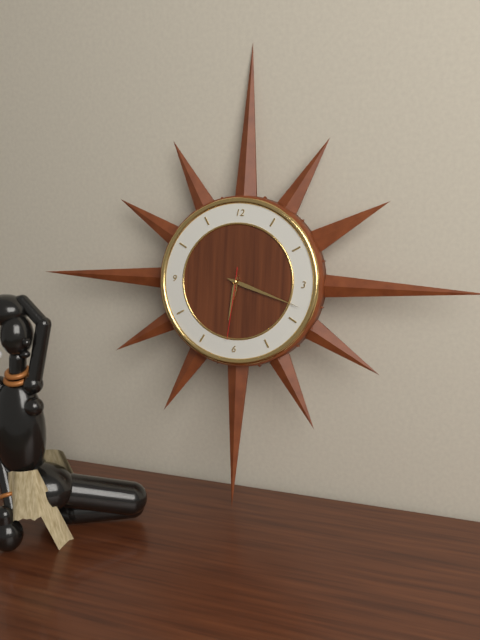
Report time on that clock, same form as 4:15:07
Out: 6:18:31
